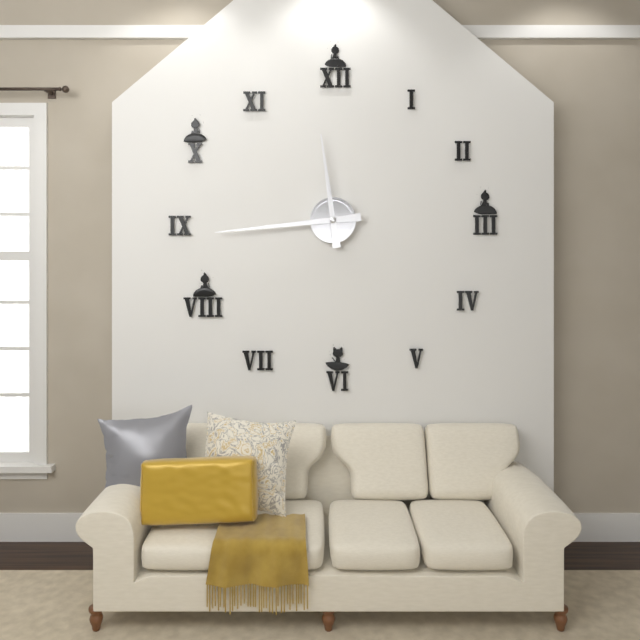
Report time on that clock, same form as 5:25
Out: 11:44
